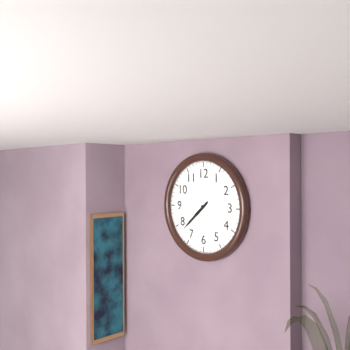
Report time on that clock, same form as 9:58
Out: 7:38
